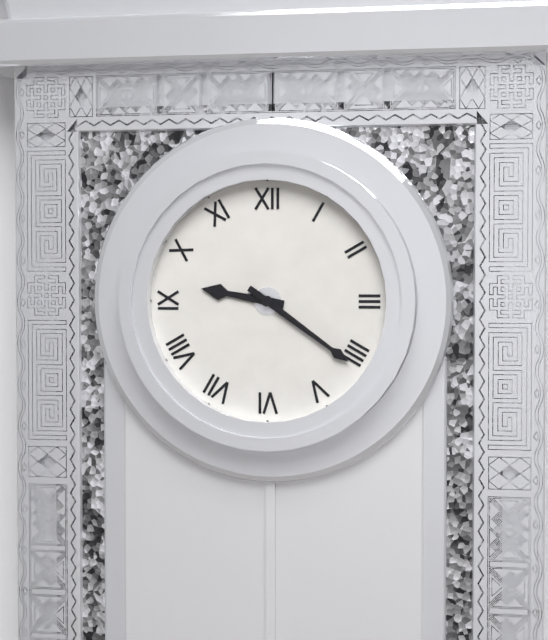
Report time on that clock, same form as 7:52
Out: 9:21
